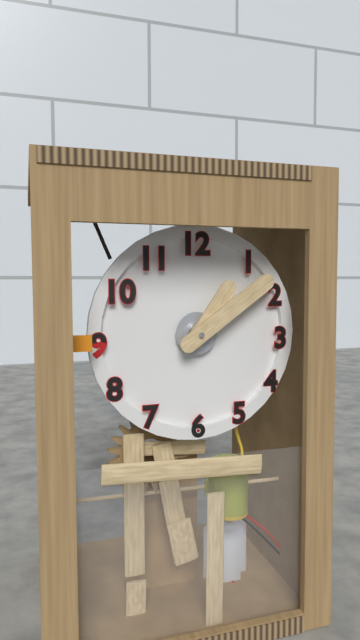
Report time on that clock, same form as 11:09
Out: 1:09
